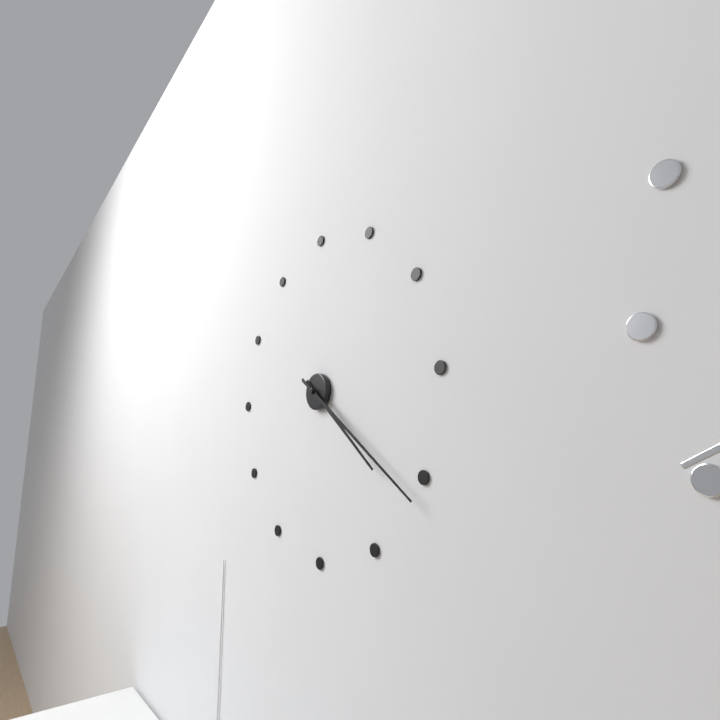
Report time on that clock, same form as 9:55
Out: 4:21
